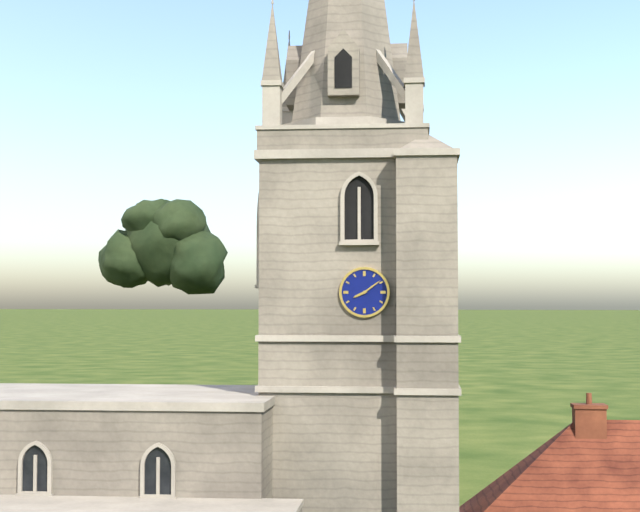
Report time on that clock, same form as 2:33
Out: 8:09
